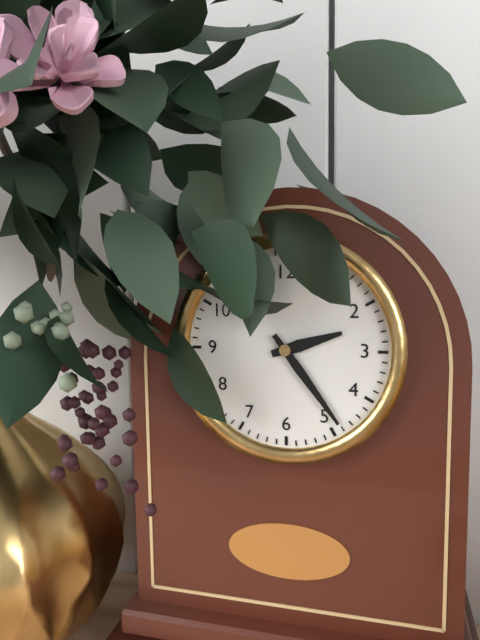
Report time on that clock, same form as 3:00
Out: 2:24
